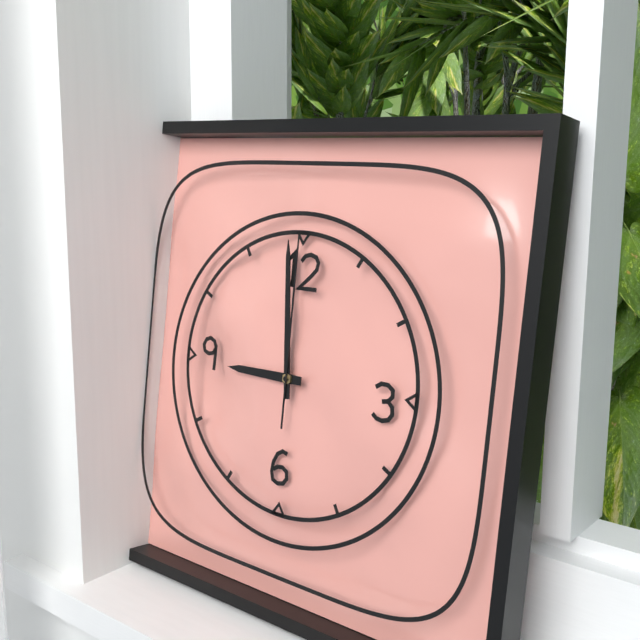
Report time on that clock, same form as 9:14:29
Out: 8:59:00
